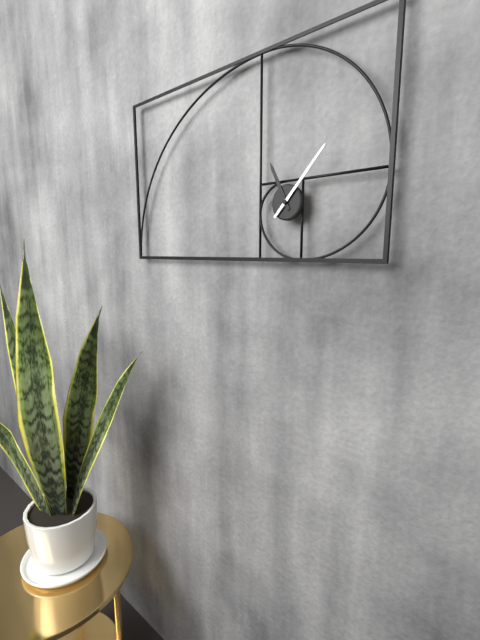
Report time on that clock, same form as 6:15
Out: 11:07
